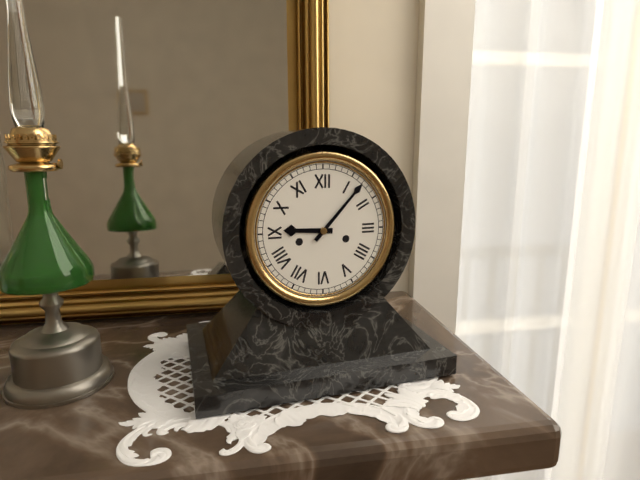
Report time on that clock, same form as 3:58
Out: 9:07
